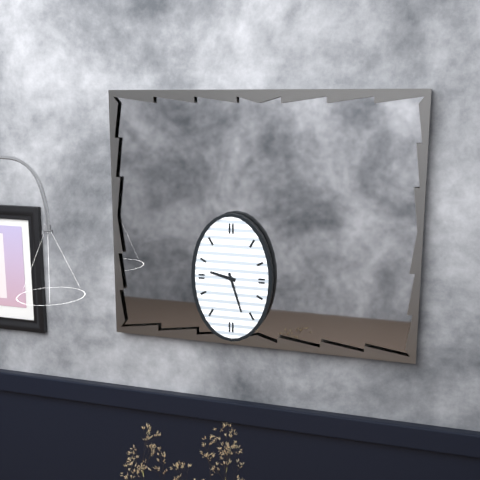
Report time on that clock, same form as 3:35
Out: 9:27
